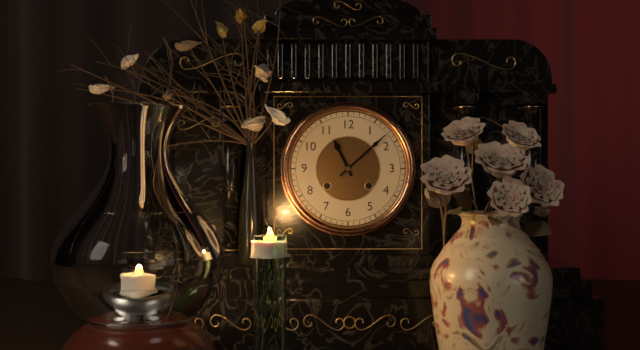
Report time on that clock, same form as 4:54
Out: 11:08
